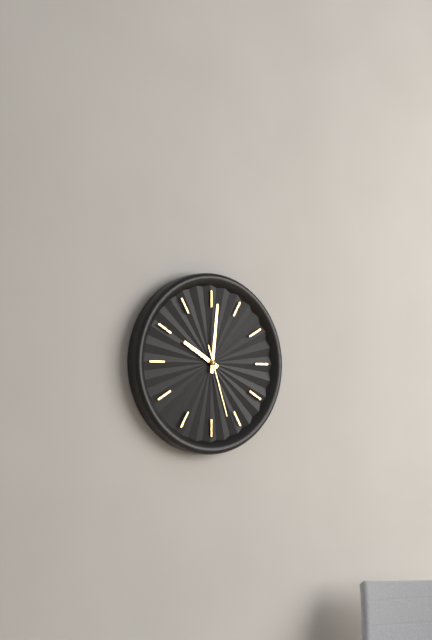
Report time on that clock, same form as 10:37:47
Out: 10:01:27
